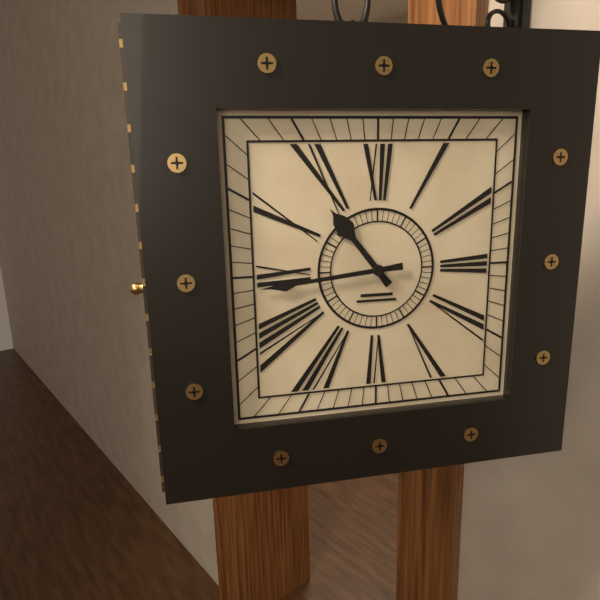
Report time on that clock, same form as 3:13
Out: 10:44
